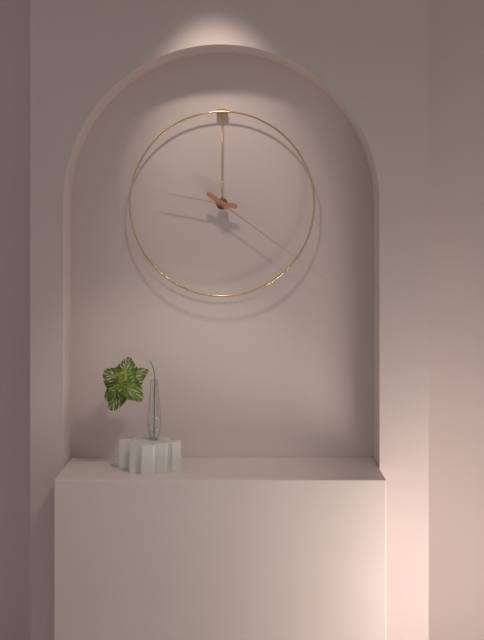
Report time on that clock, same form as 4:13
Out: 9:21
